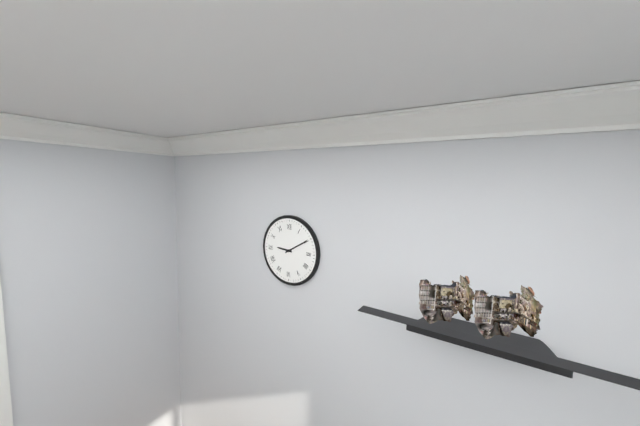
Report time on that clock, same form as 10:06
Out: 9:10
